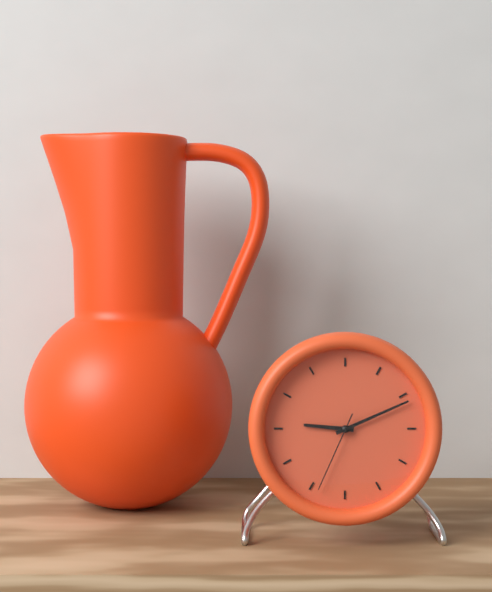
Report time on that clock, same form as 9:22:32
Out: 9:11:34
